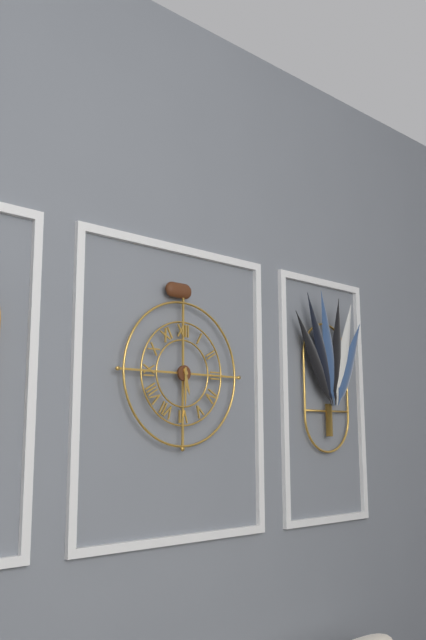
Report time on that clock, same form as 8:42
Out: 5:30
